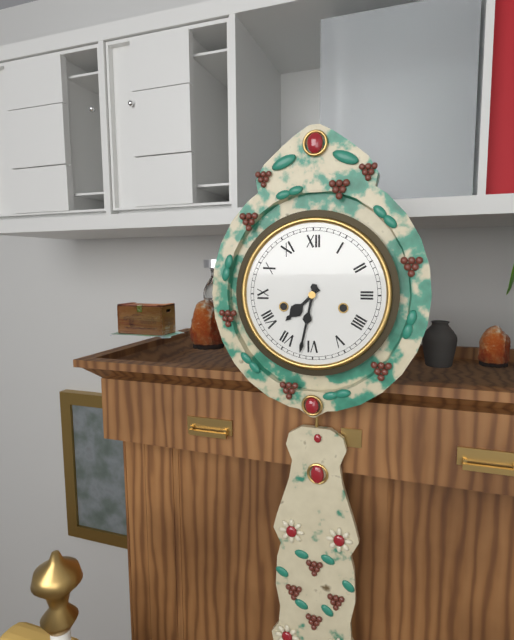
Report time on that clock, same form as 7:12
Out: 7:32
